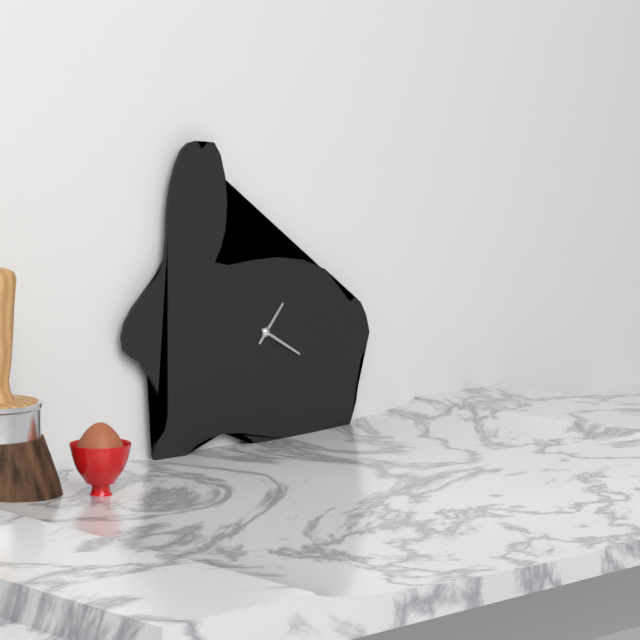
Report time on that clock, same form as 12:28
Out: 1:20
